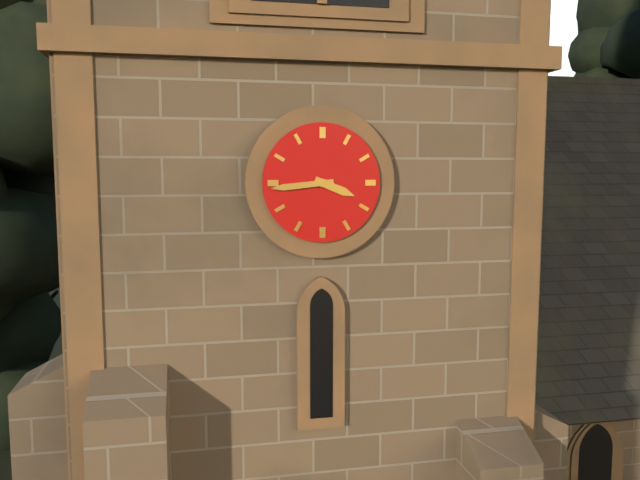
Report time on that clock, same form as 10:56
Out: 3:44
